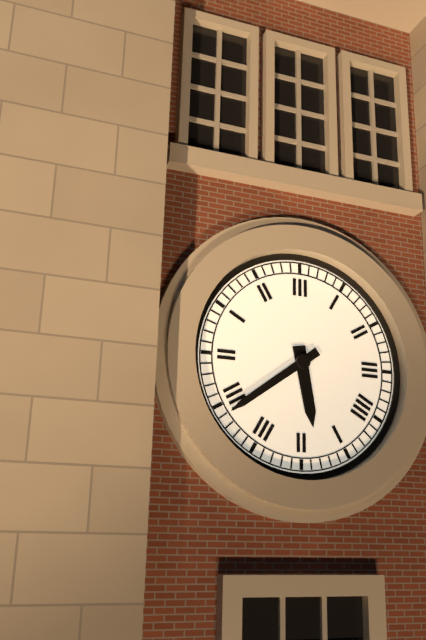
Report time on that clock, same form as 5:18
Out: 5:39
